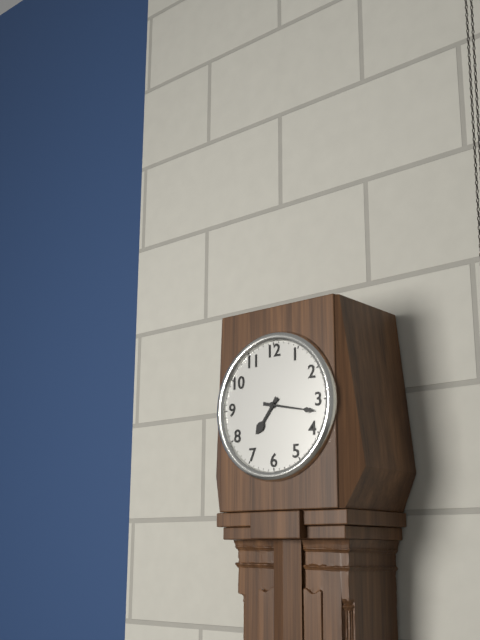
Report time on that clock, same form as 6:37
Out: 7:17
